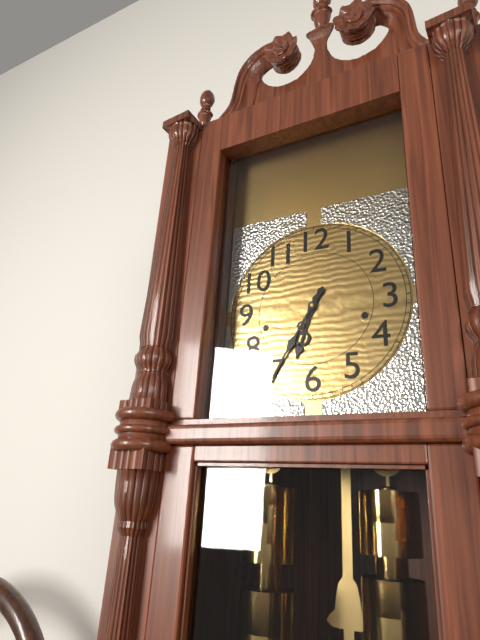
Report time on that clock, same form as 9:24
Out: 6:35
